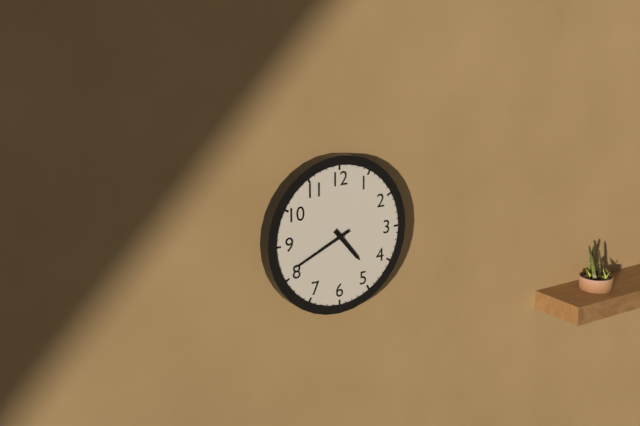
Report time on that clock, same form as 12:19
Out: 4:41
